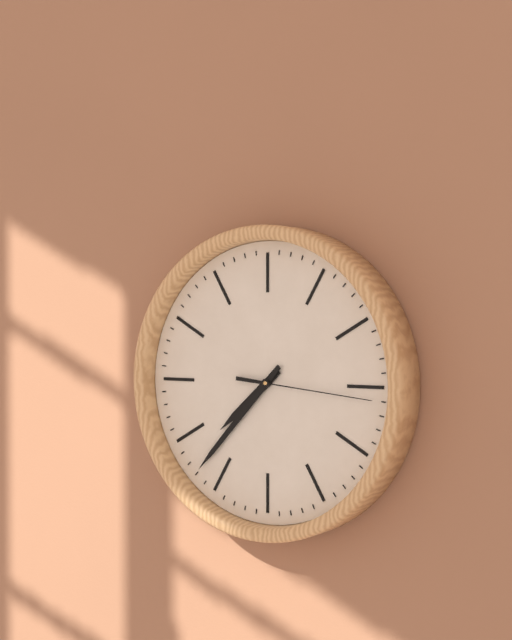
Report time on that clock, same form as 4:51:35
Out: 7:37:16
